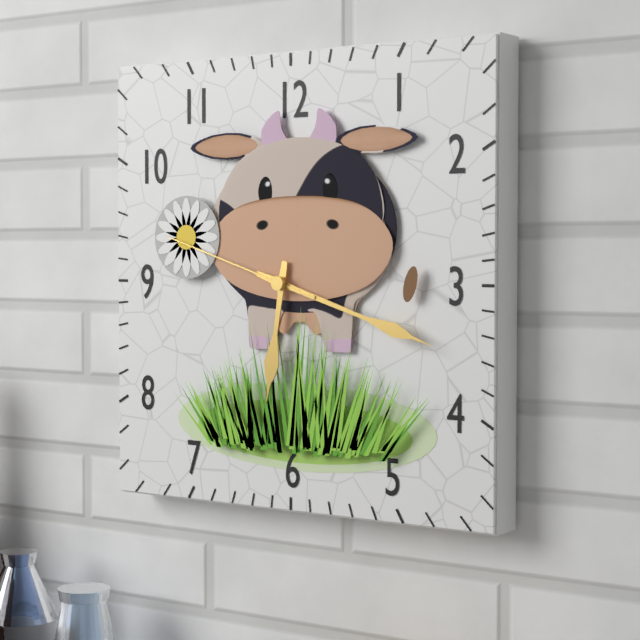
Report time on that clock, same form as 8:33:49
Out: 6:18:48
